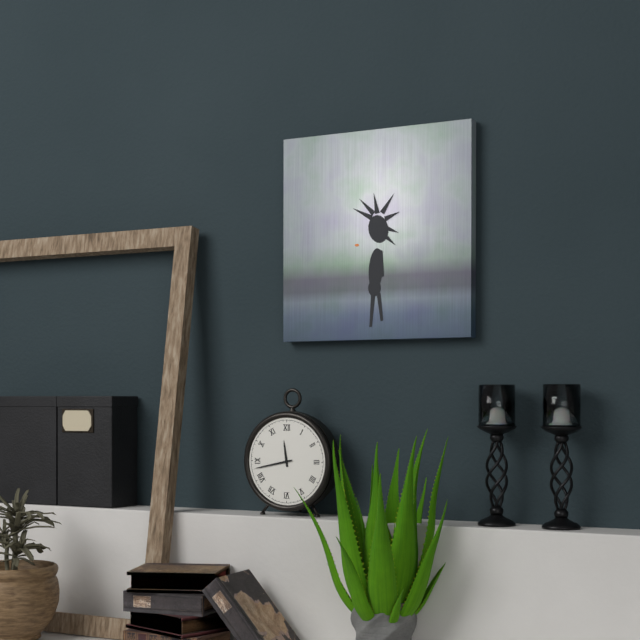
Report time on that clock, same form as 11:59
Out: 11:43
